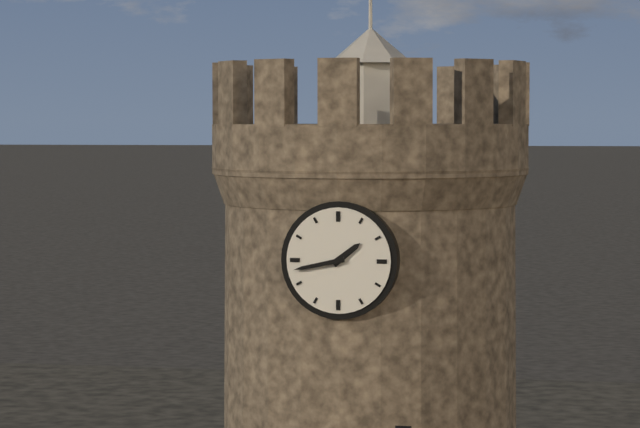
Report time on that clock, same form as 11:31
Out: 1:43
